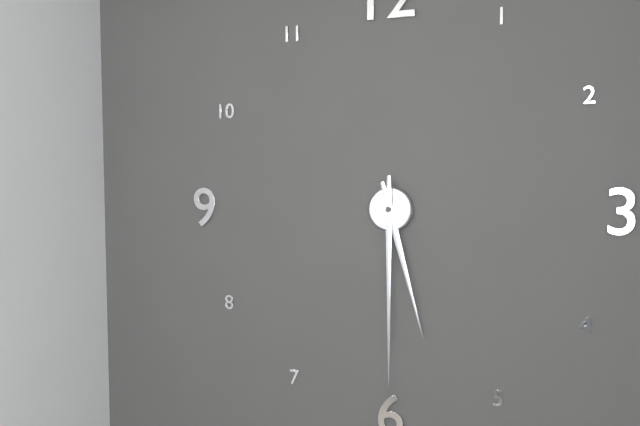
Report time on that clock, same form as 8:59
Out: 5:30
